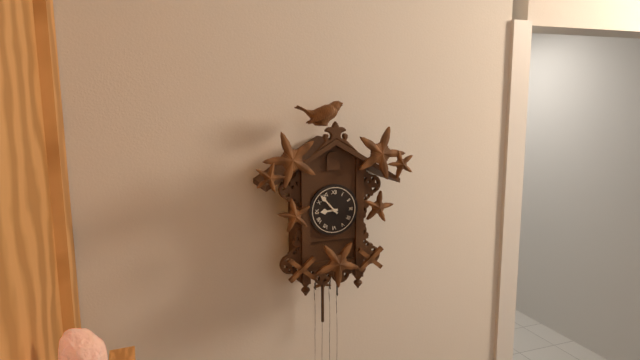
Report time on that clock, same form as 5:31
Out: 8:53
